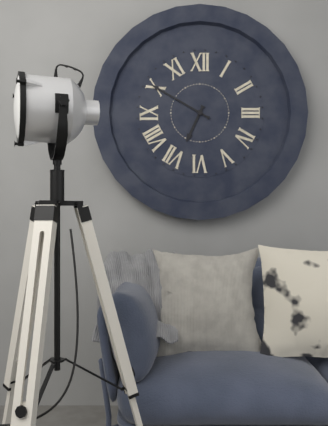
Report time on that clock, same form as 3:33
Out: 6:50
